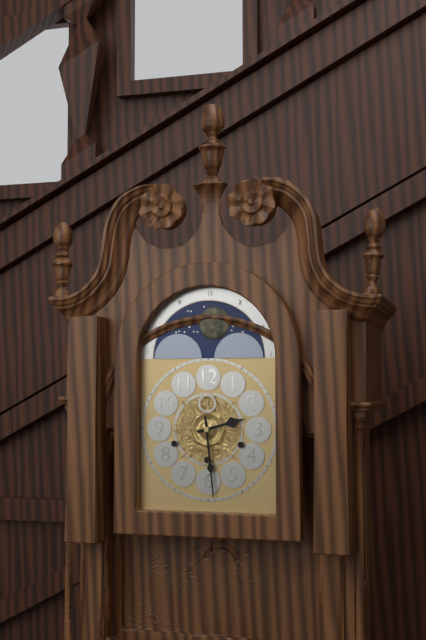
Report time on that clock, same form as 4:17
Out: 2:29
